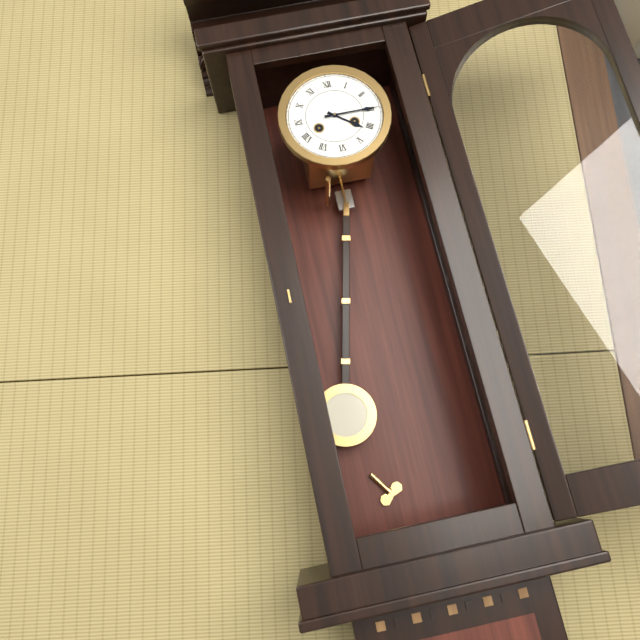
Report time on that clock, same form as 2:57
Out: 4:15
